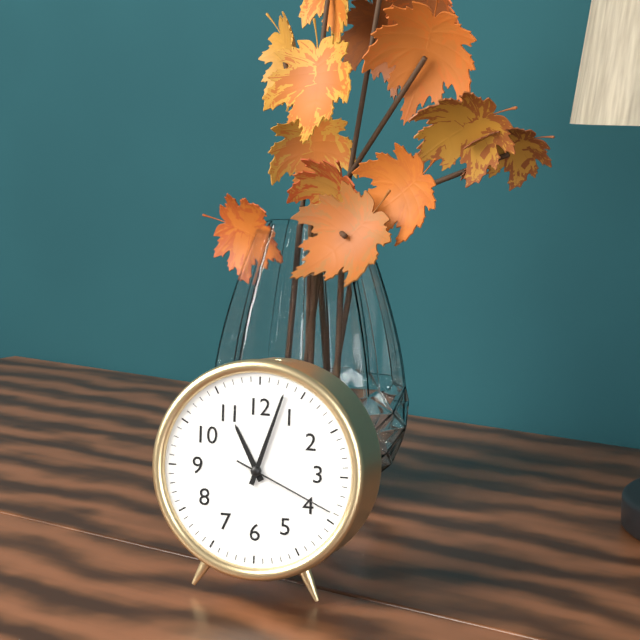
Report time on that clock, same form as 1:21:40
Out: 11:03:19
